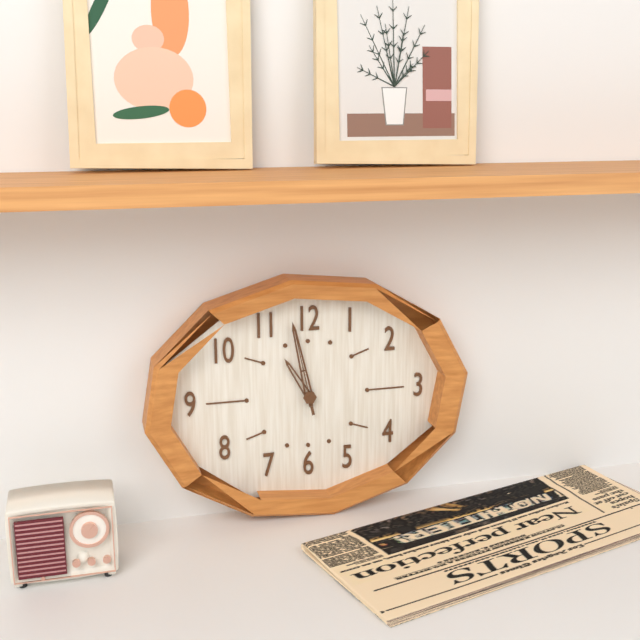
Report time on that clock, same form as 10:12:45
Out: 10:58:58
